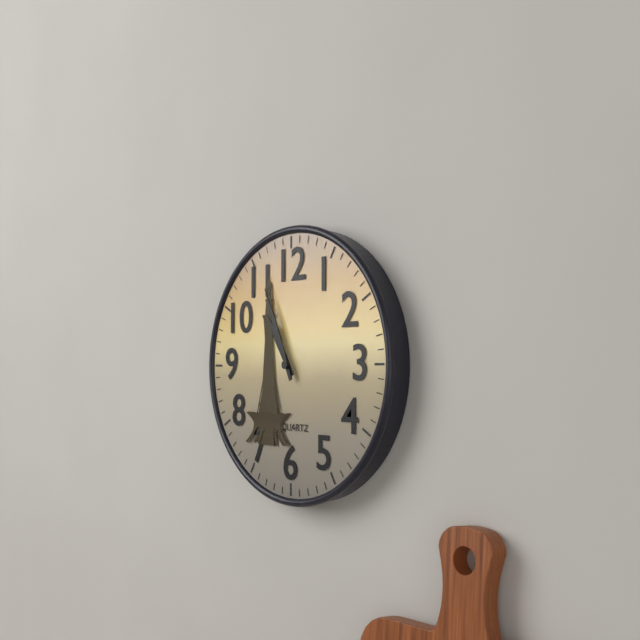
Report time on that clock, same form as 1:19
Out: 10:56
